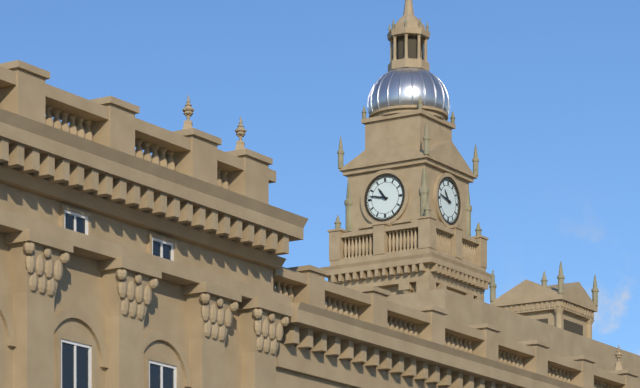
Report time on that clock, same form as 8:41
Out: 10:47
